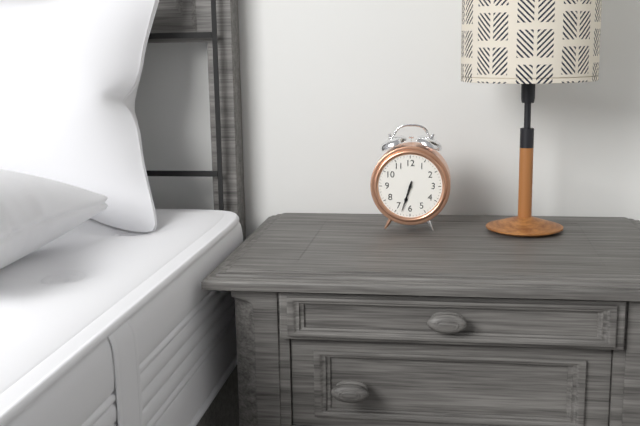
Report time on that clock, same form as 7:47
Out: 6:33
